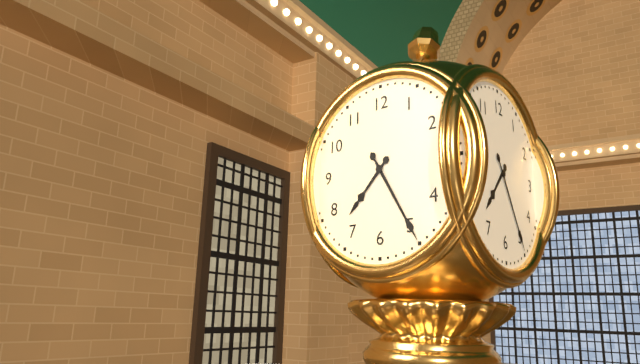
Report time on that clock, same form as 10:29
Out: 7:25
